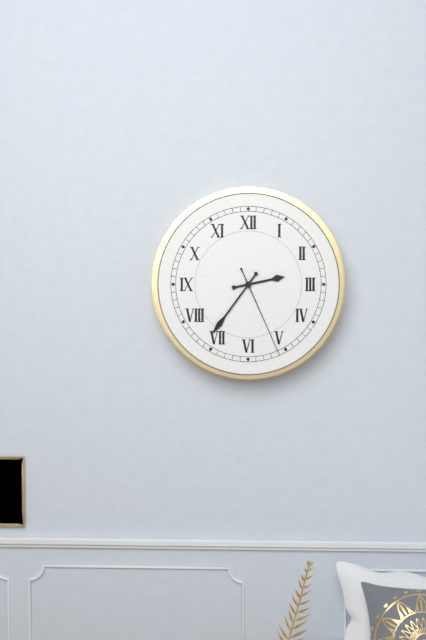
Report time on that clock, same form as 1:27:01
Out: 2:36:26
